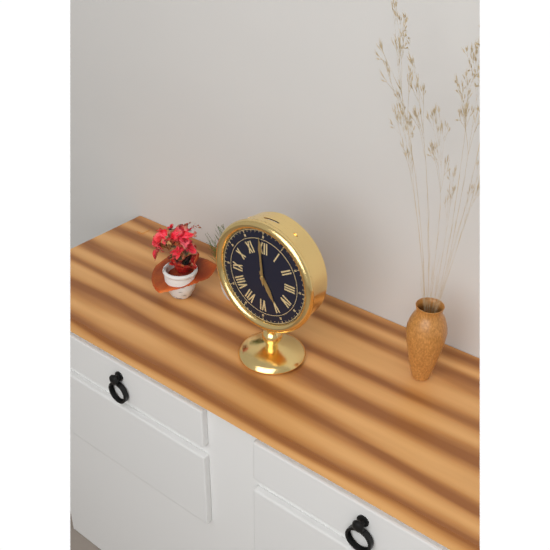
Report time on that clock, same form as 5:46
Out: 4:59
